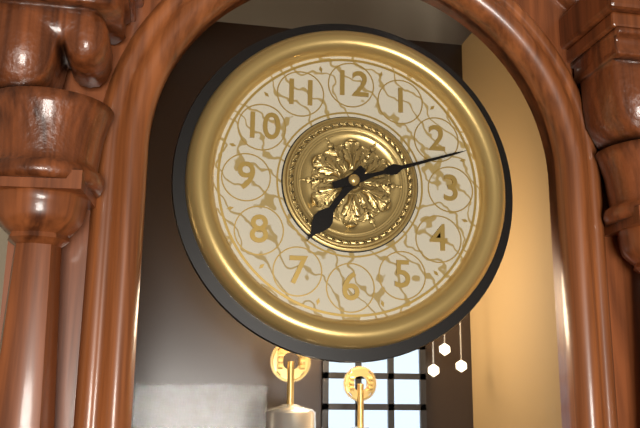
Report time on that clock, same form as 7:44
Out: 7:12
